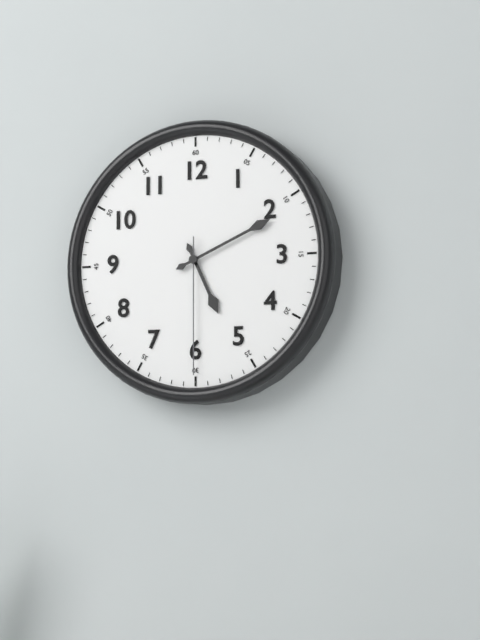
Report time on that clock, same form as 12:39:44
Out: 5:11:30
